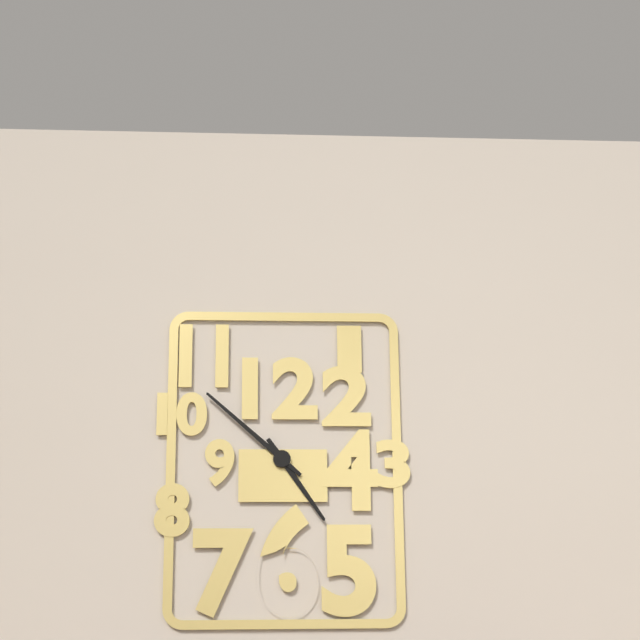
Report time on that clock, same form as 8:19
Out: 4:52
